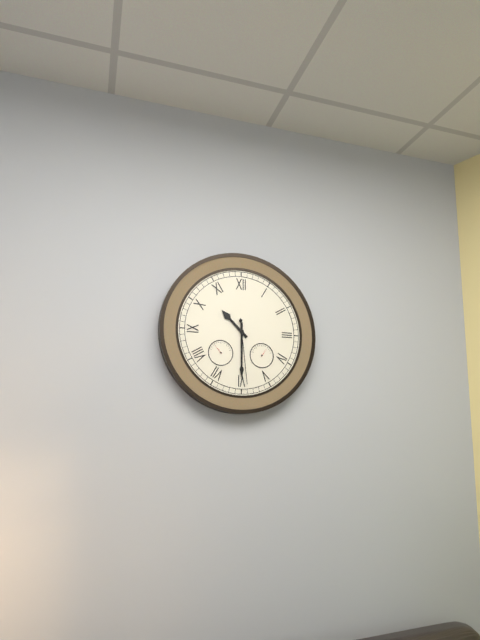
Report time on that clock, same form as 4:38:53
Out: 10:30:29
